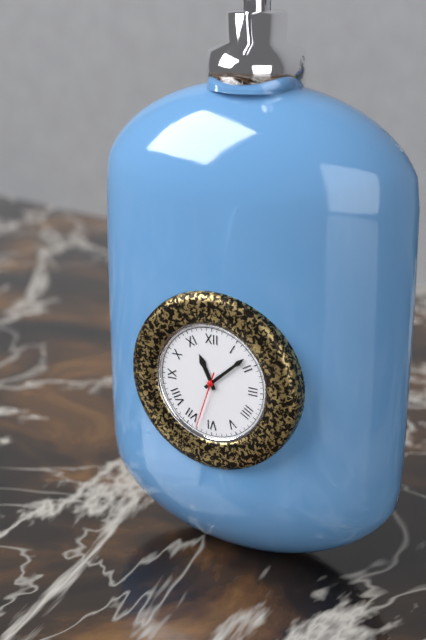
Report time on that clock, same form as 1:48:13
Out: 11:08:33
